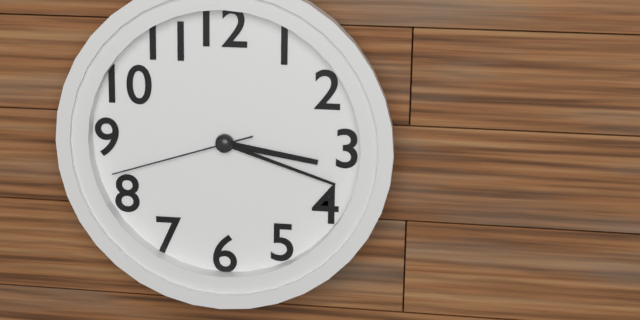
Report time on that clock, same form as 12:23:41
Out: 3:18:42
